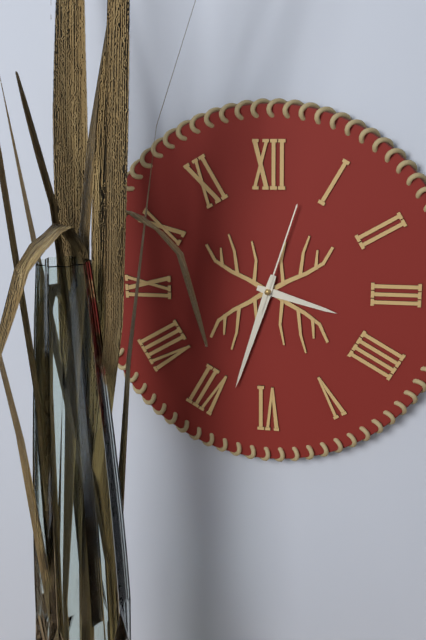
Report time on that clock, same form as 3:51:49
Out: 3:33:03
